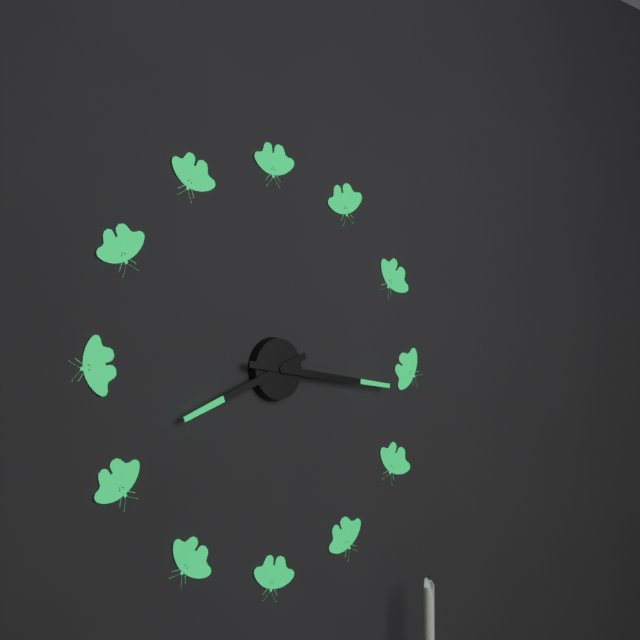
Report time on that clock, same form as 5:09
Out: 8:16
